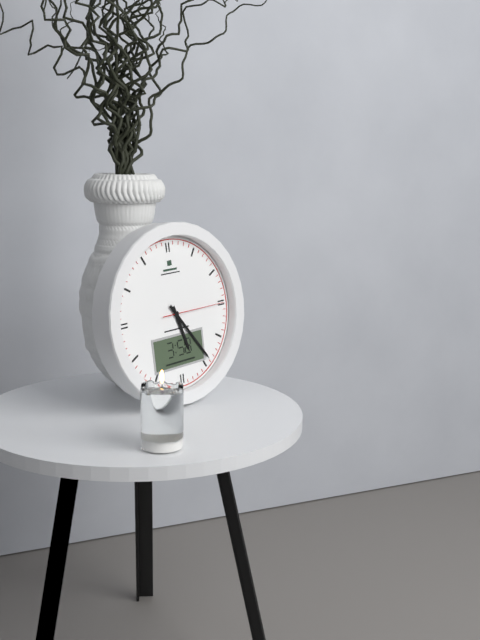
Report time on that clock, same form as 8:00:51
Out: 5:24:15
